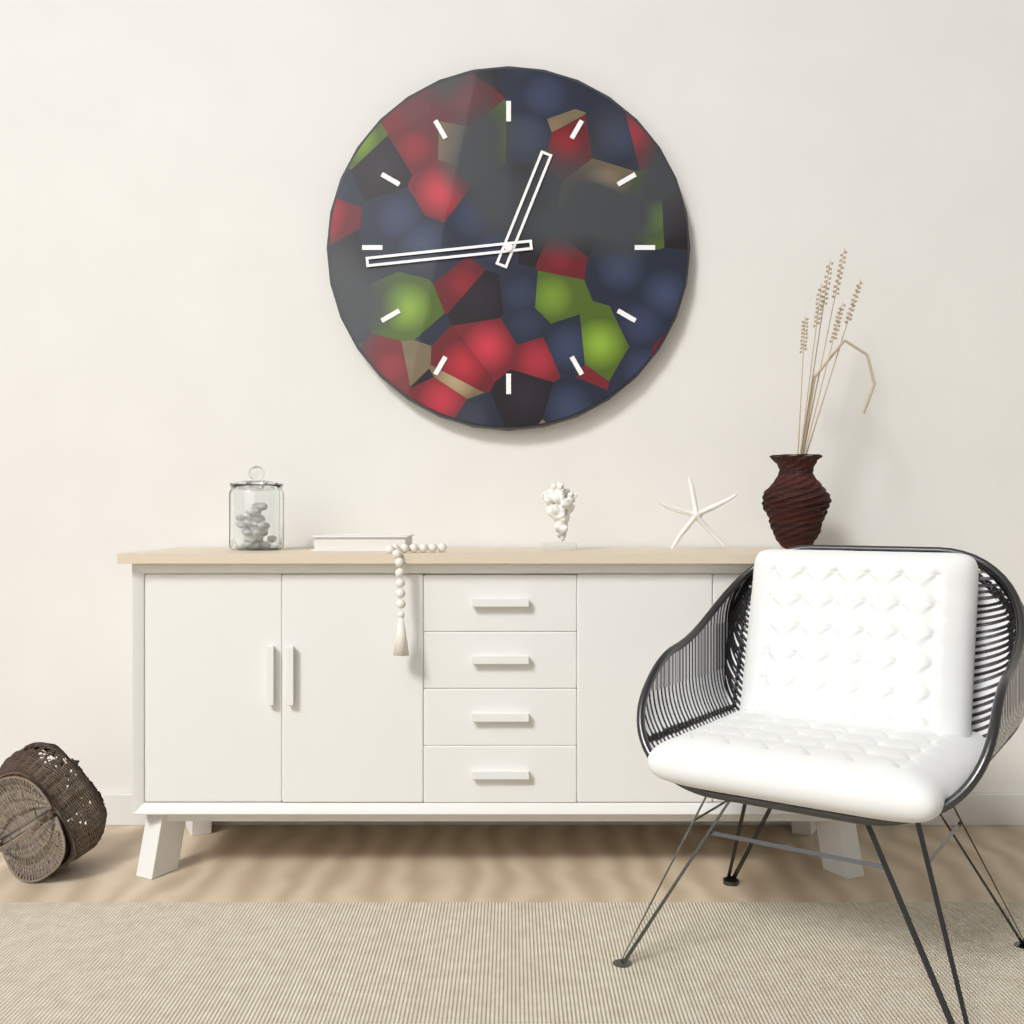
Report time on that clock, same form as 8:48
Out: 12:44
